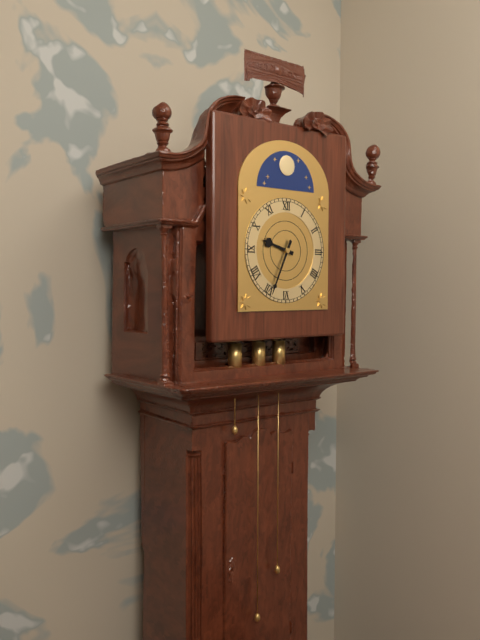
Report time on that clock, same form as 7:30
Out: 9:34
